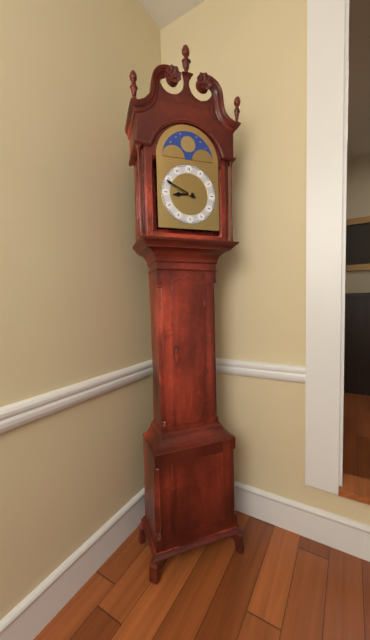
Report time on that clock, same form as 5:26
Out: 8:49
